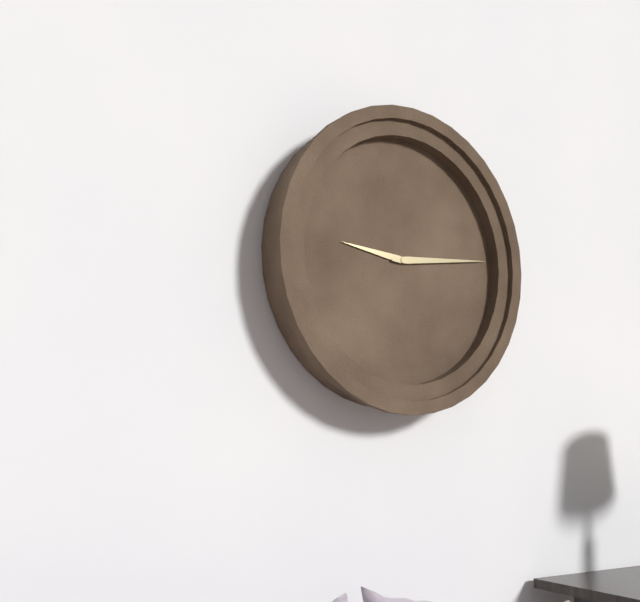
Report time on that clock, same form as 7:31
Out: 9:14
